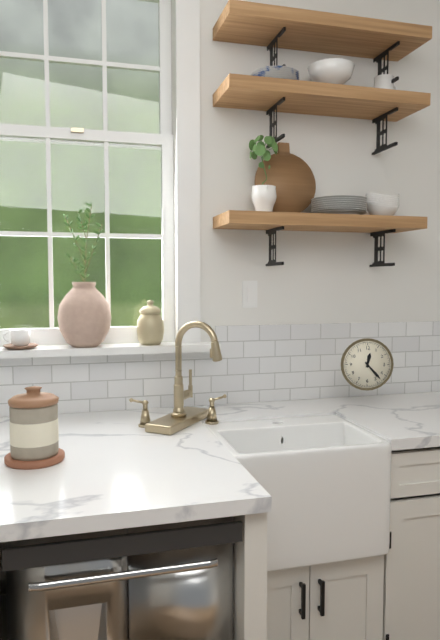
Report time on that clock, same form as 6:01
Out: 12:23
